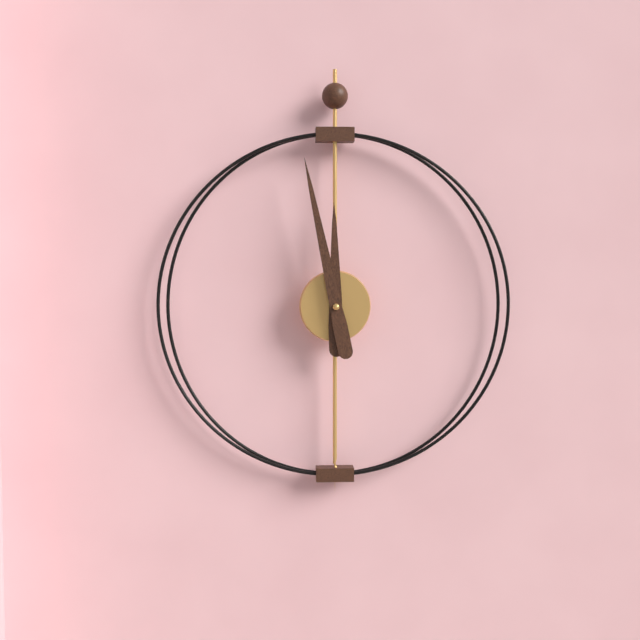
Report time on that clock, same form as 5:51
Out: 11:58
